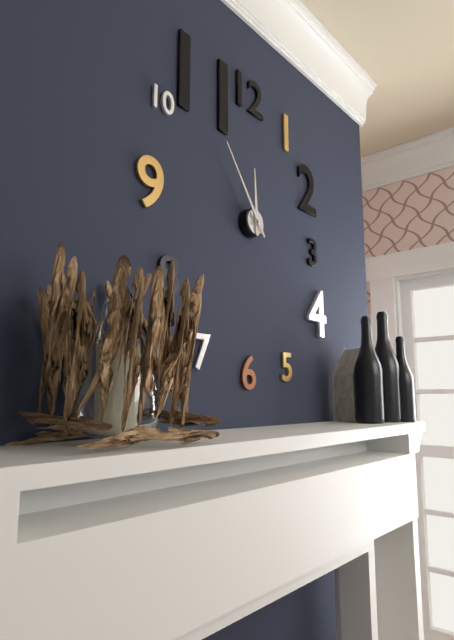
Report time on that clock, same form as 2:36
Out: 11:54
